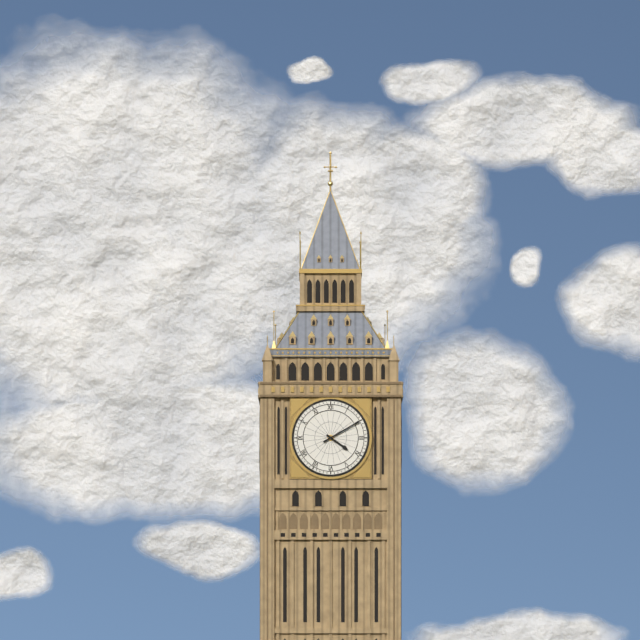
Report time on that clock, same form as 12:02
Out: 4:10
